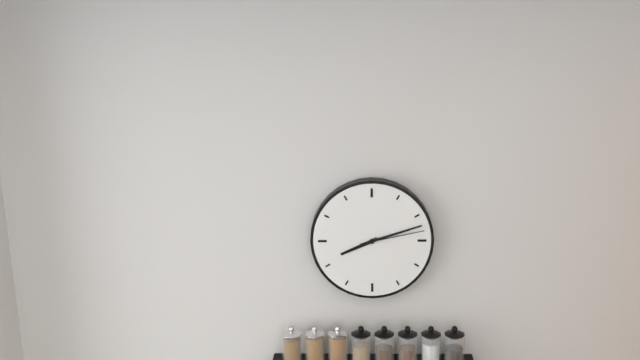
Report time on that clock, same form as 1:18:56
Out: 8:12:13
